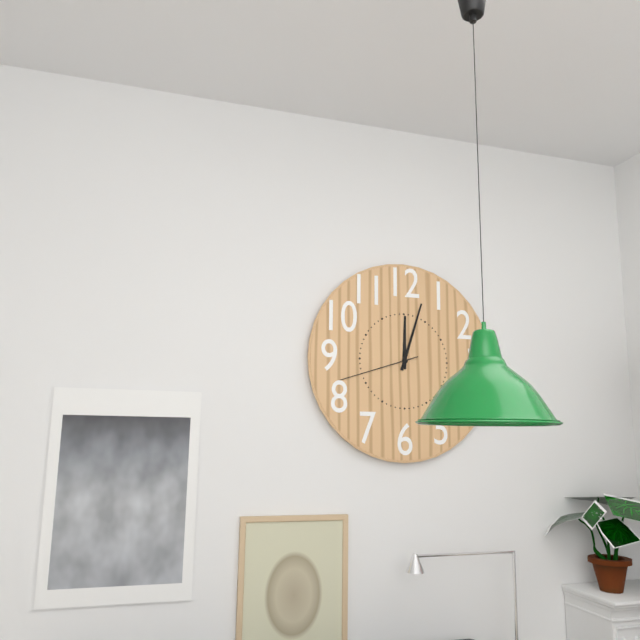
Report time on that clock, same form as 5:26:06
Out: 12:03:42
